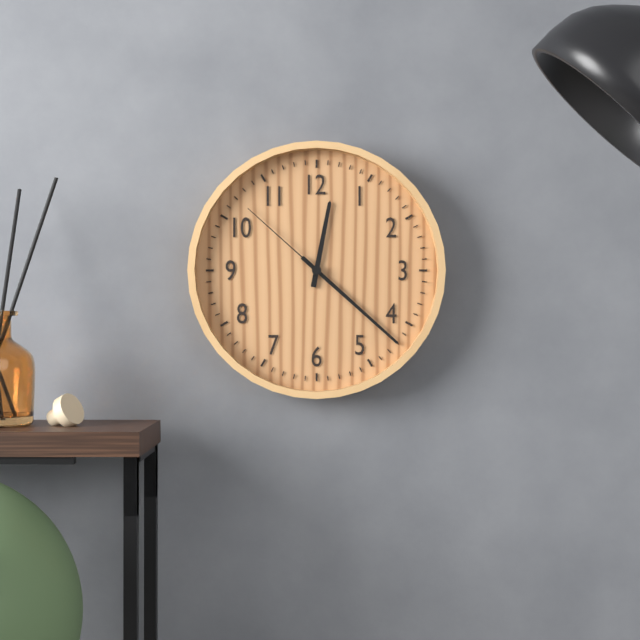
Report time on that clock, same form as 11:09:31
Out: 12:22:52
